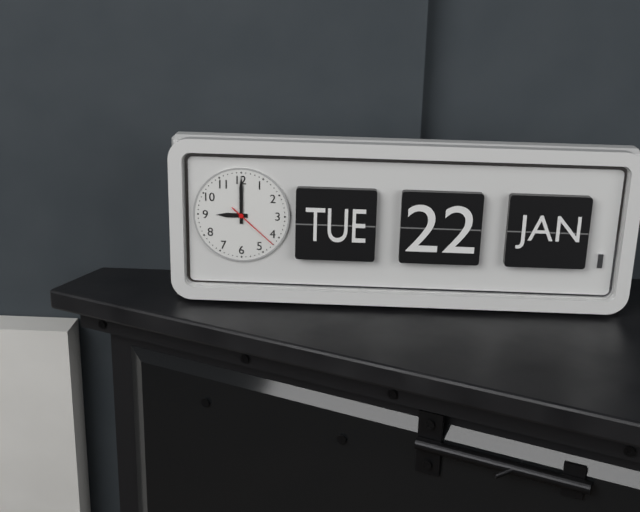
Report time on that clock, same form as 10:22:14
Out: 9:00:22
